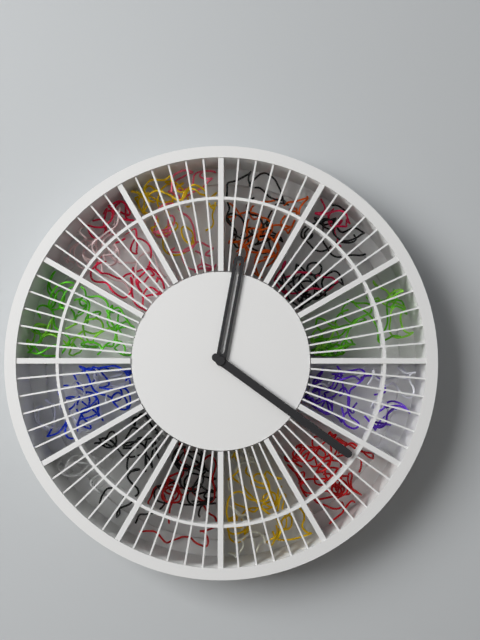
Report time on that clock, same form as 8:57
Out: 12:21
